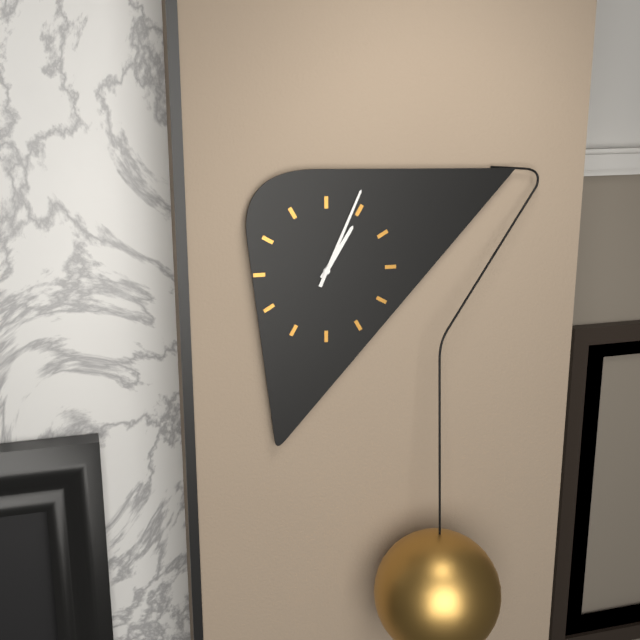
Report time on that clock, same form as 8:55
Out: 1:04
